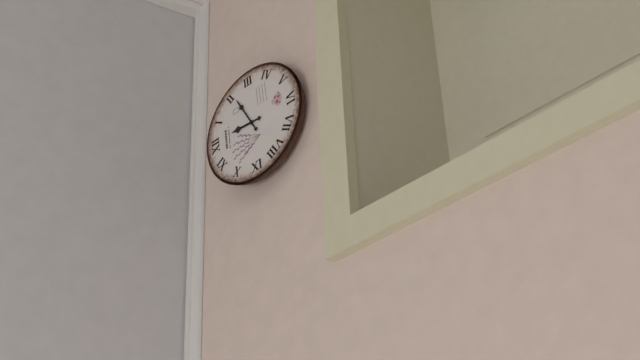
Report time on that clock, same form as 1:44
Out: 12:11
